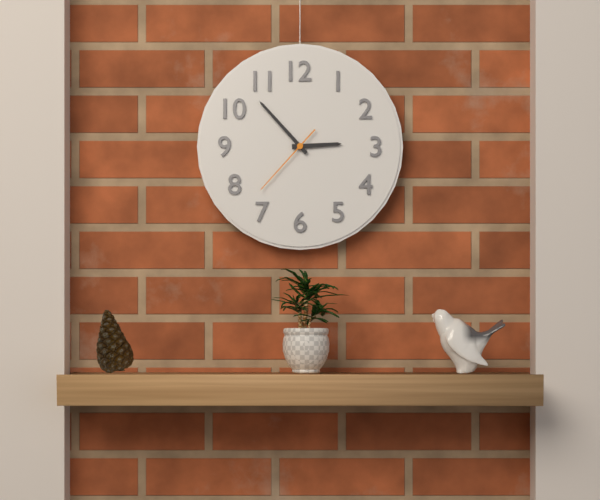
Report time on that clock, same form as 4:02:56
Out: 2:53:37
